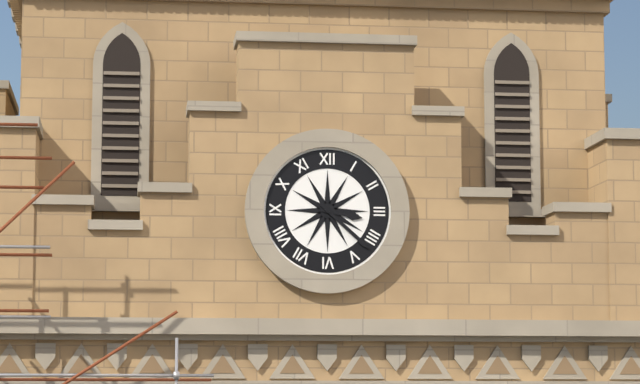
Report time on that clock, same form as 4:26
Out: 3:22
